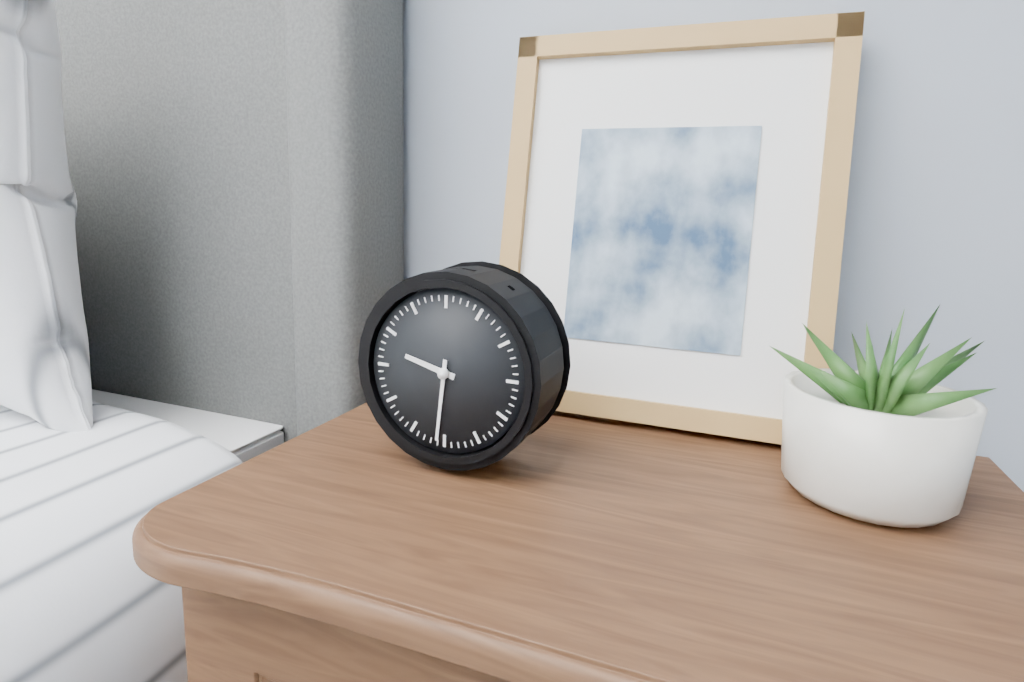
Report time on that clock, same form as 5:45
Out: 9:31
